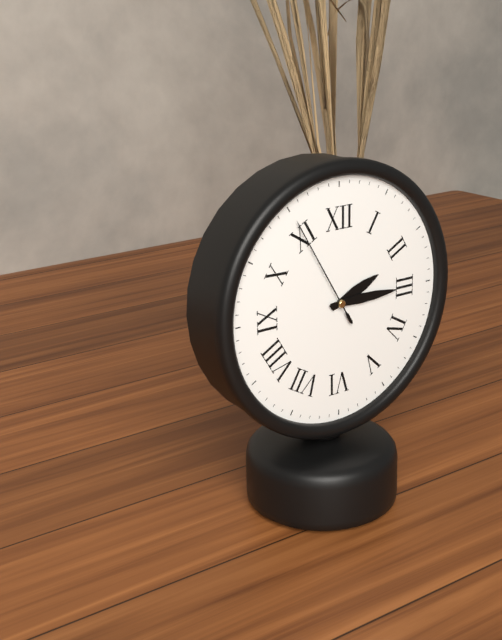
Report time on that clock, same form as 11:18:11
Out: 2:15:55
